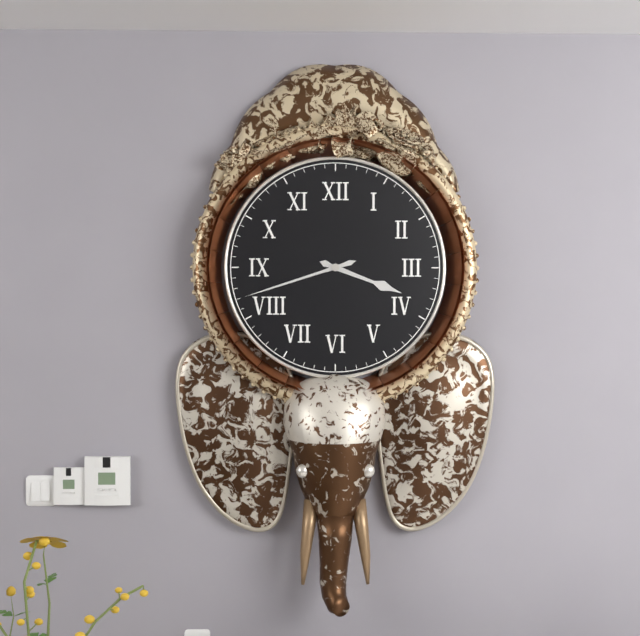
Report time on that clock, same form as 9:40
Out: 3:42
